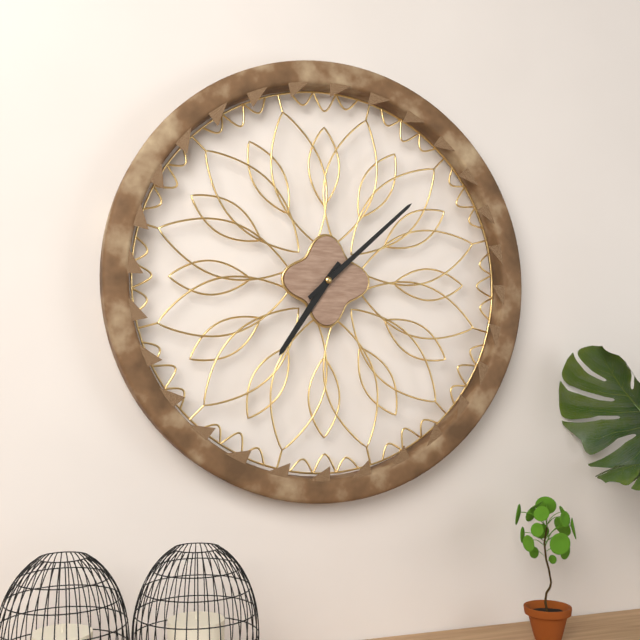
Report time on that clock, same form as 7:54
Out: 7:08
